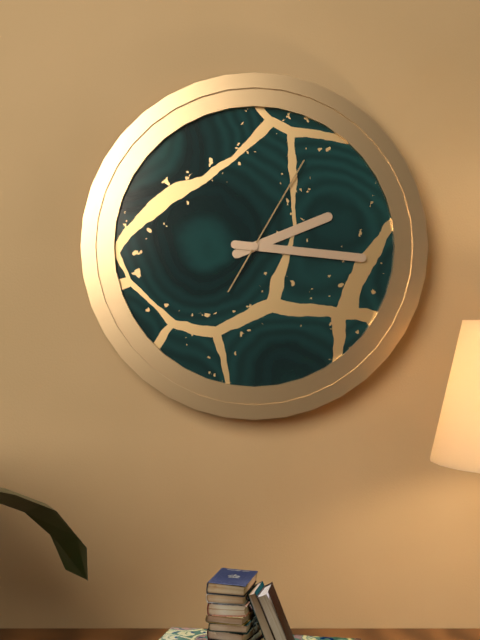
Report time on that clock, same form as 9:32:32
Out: 2:16:05
